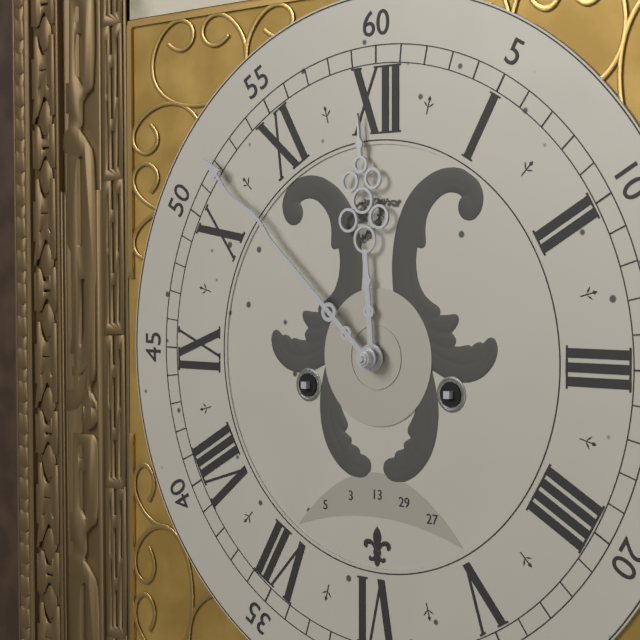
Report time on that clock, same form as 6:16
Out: 11:52
